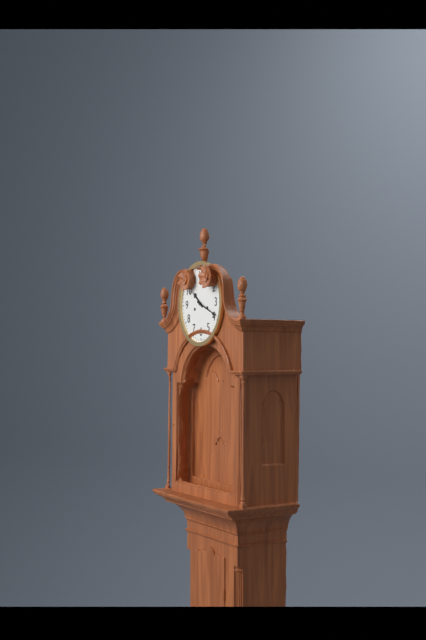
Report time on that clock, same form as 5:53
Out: 10:19
